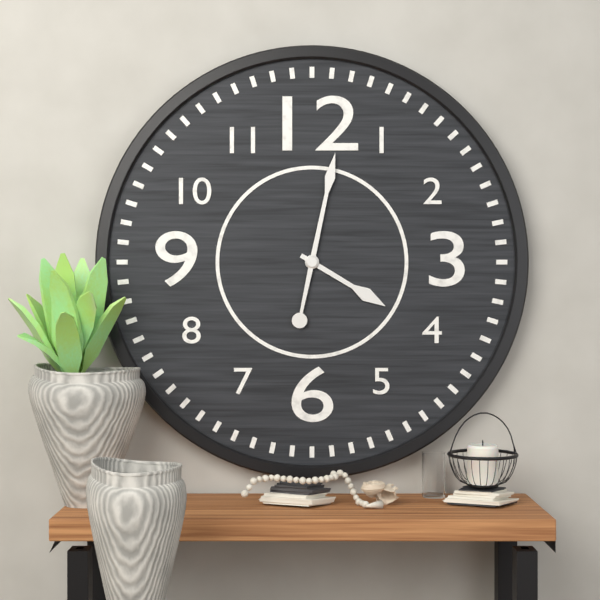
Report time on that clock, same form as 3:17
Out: 4:02
